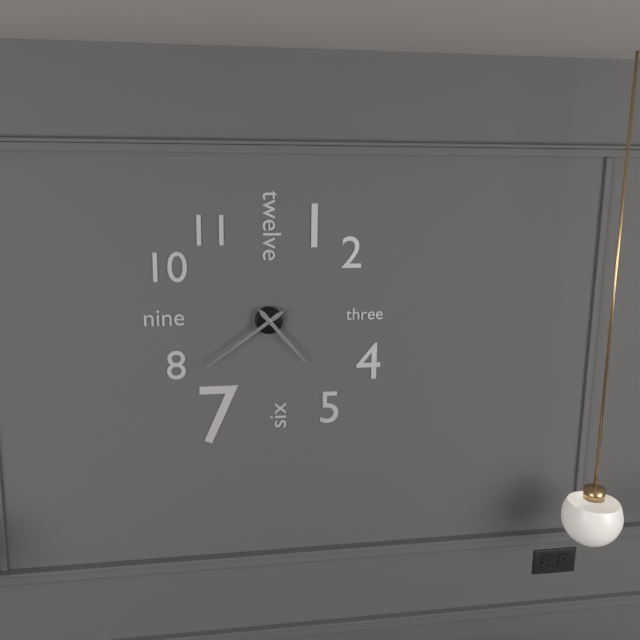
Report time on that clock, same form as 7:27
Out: 4:39
